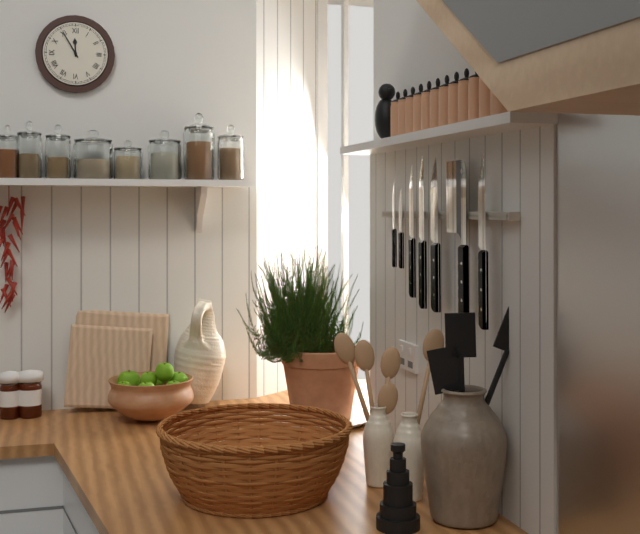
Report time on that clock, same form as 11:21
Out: 11:55
